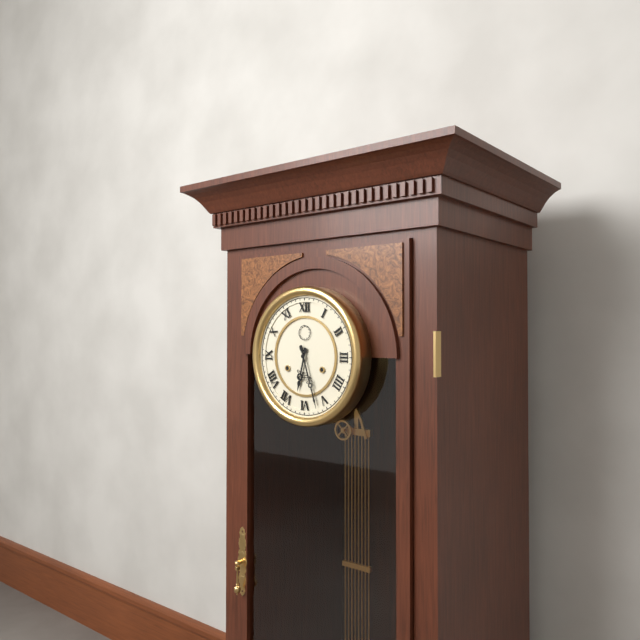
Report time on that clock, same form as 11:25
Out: 6:27
